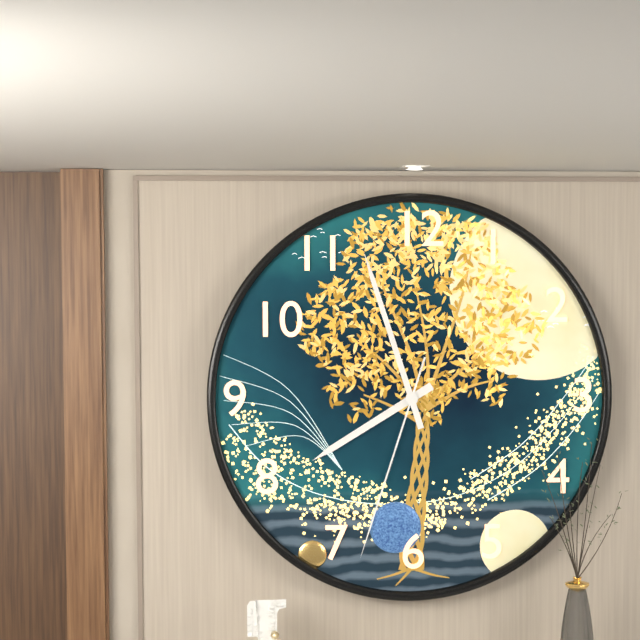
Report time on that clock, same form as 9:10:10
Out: 7:57:33
